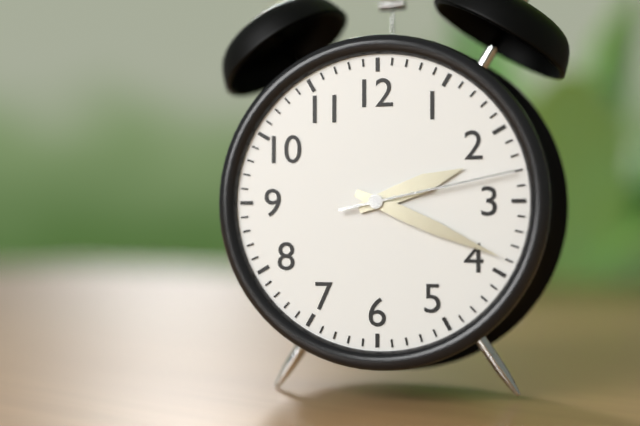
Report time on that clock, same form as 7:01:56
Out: 2:19:13
